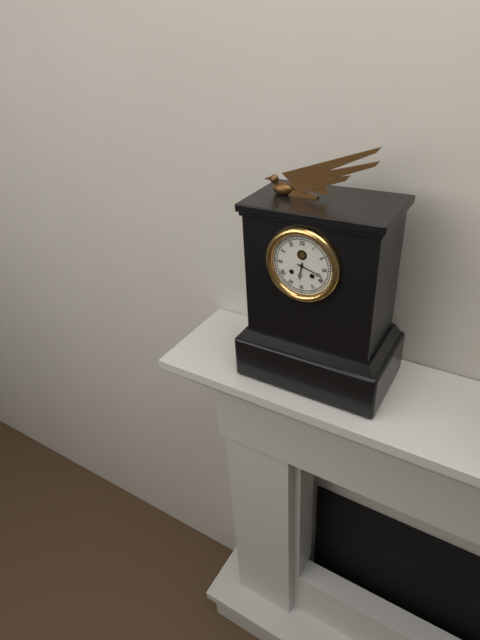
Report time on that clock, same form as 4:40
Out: 6:18
